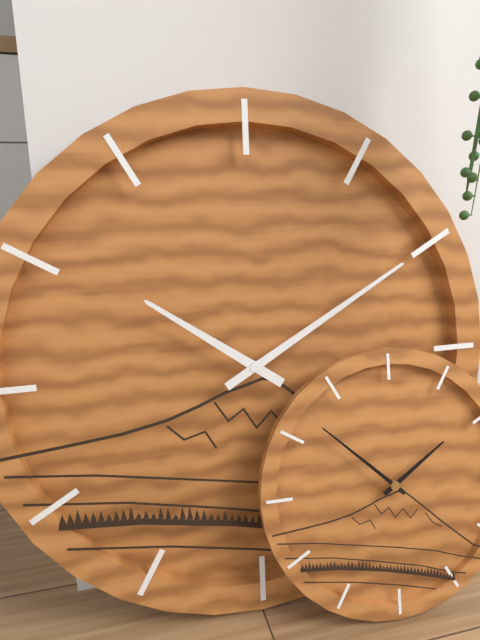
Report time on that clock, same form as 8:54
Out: 10:10
